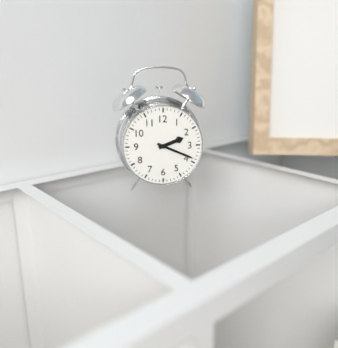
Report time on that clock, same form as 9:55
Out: 2:19
